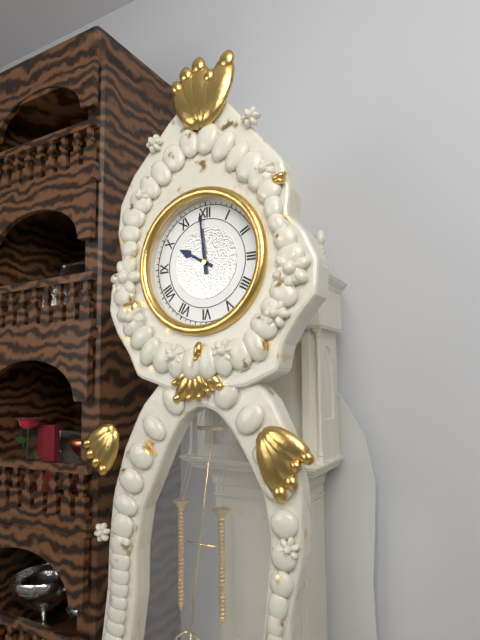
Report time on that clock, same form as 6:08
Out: 9:59
